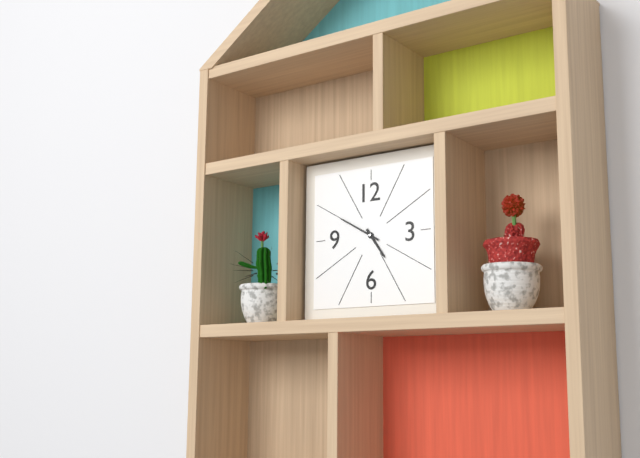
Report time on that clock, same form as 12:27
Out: 4:50
